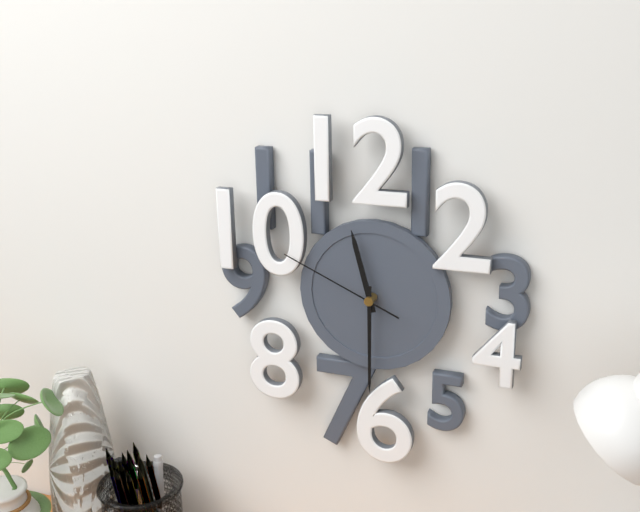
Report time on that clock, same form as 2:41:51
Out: 11:30:49
